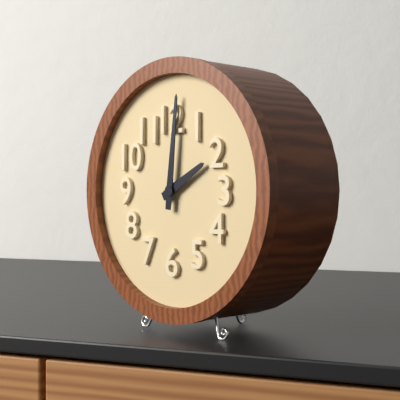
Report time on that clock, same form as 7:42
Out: 2:01
